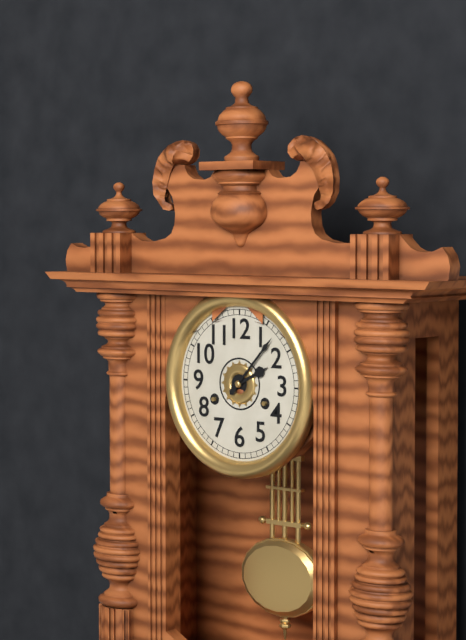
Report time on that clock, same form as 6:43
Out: 2:07
